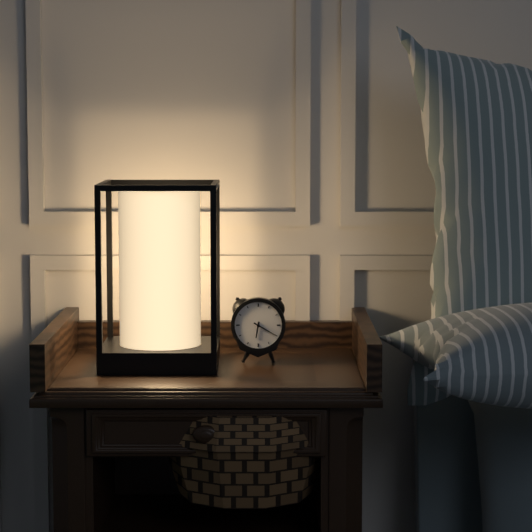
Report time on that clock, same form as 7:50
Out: 6:20
